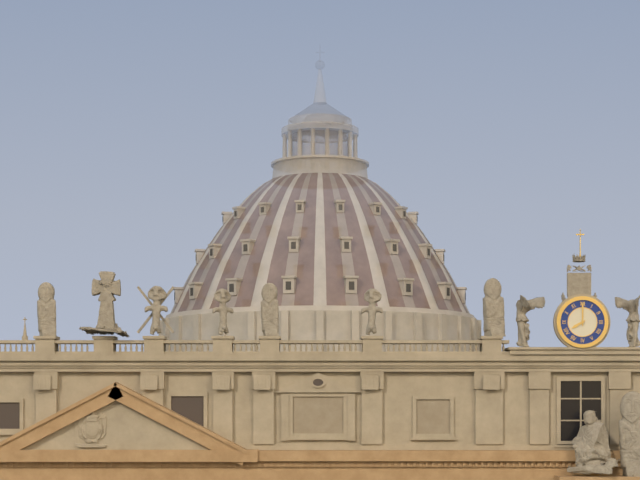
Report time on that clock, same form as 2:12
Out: 8:00
